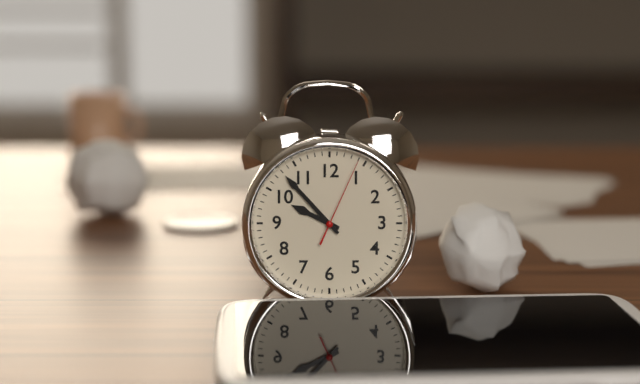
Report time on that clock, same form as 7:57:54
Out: 9:53:04
